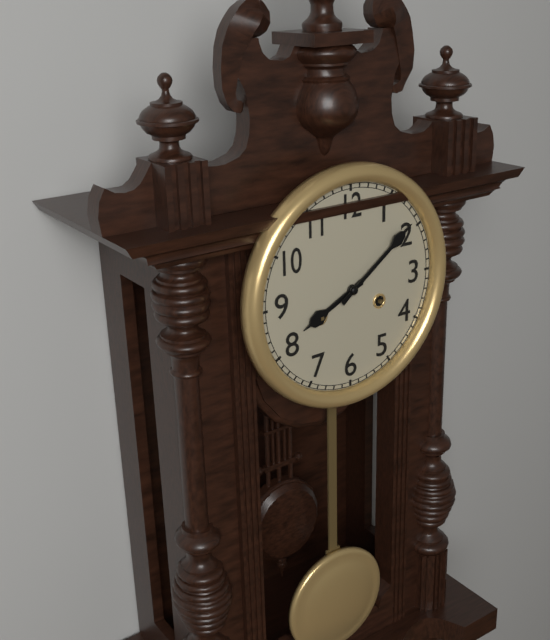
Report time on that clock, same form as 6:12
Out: 8:09
